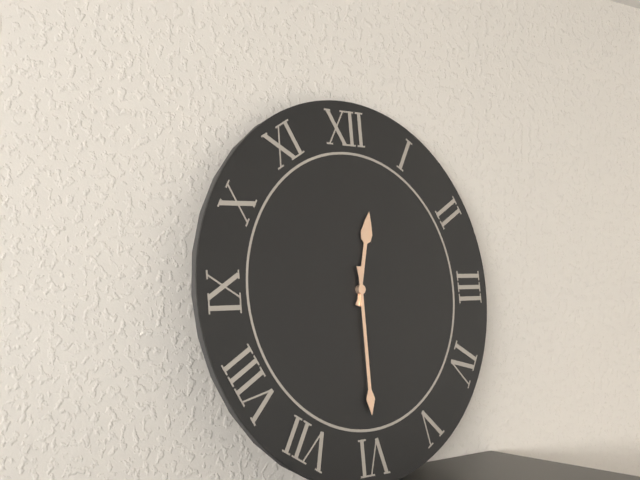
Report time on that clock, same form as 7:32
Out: 12:30
